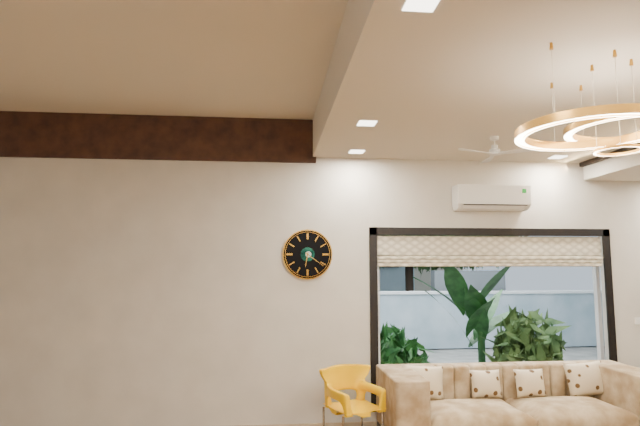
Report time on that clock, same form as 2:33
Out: 6:21
